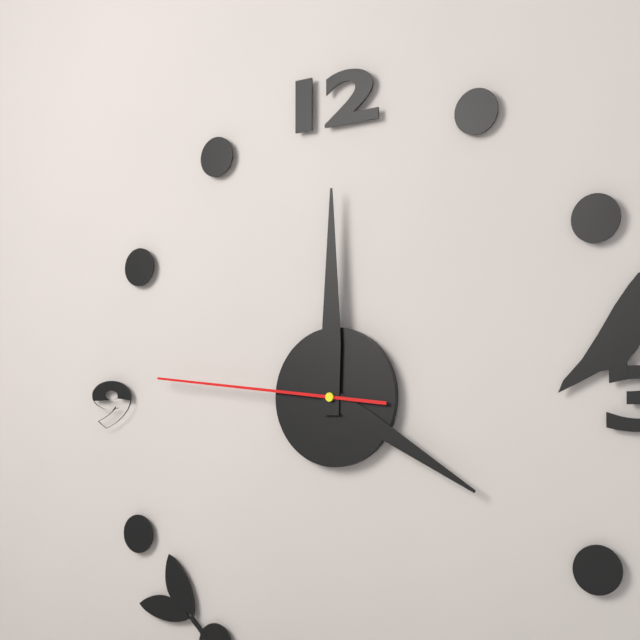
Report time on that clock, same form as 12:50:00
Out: 4:00:46
